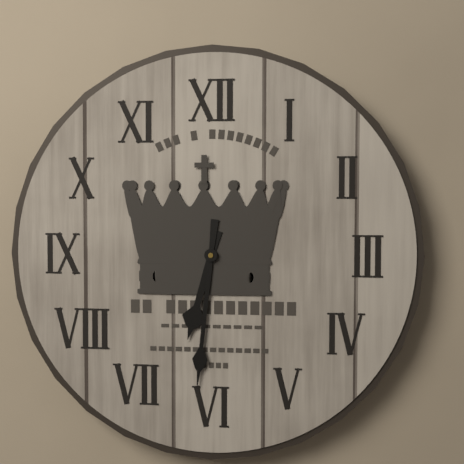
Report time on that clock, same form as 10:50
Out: 6:31
